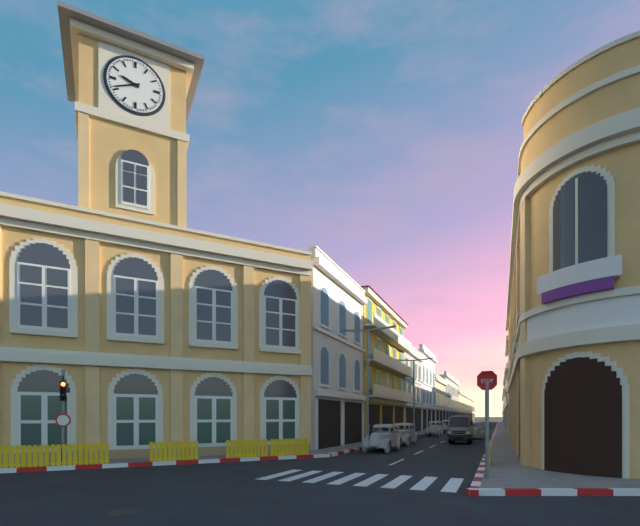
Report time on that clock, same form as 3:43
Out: 9:41
